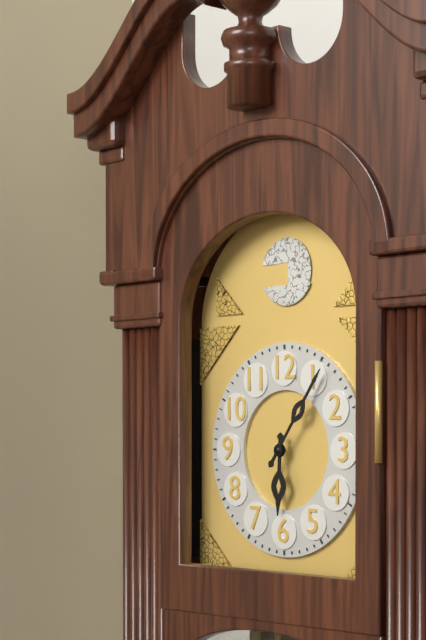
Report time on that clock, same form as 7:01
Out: 6:06
